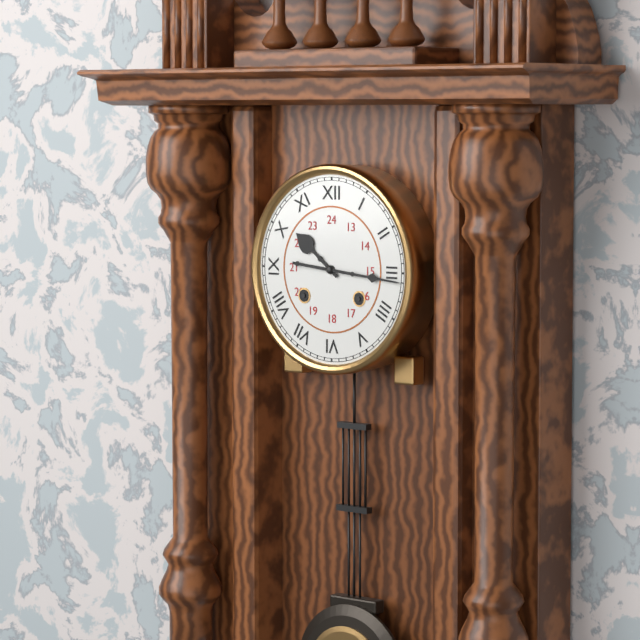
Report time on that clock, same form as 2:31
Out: 10:16
